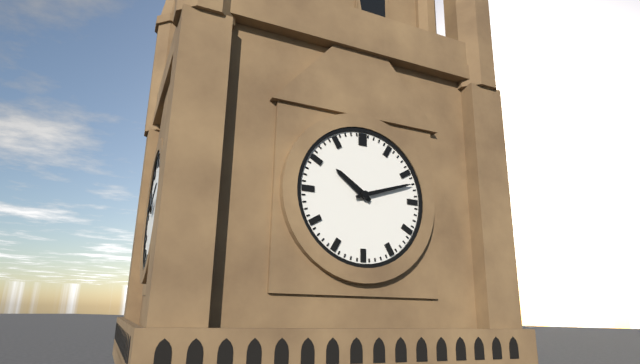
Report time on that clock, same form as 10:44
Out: 10:12
